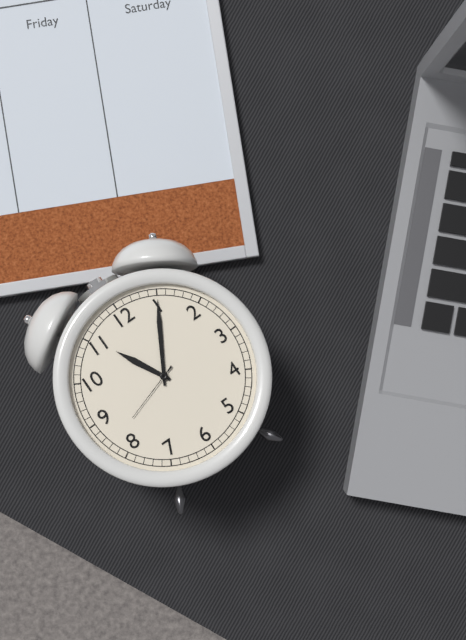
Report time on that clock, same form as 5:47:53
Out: 11:05:42
